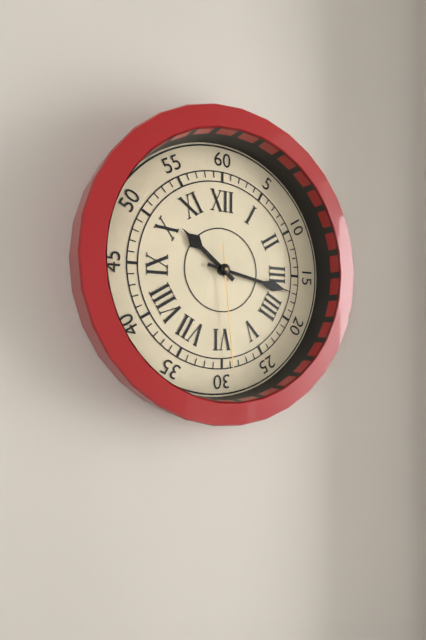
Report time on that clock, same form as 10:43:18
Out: 10:17:29
